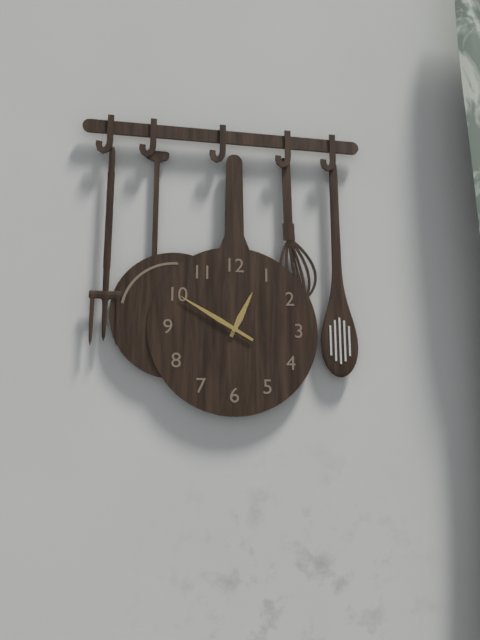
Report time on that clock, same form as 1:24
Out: 12:50
